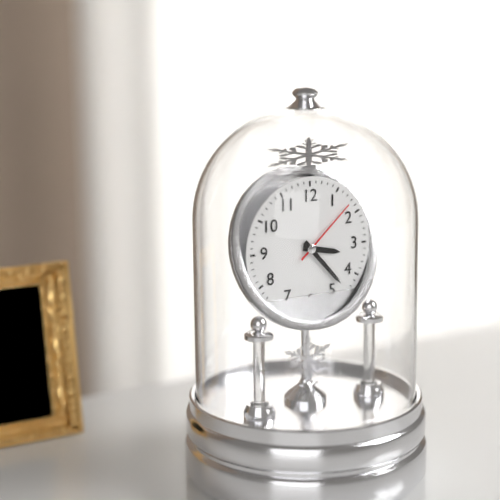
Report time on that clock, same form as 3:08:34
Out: 3:23:08
